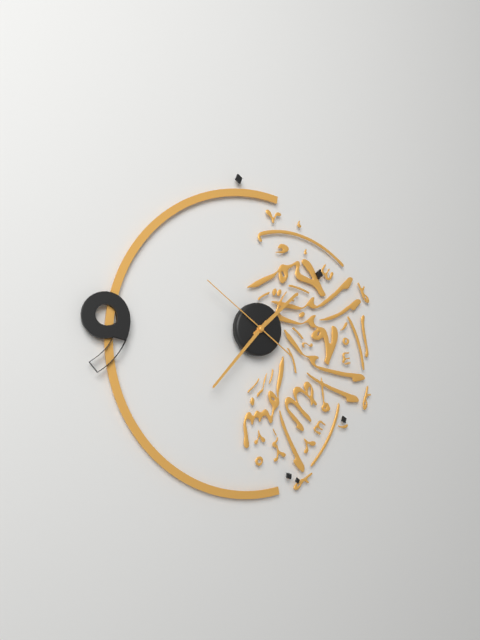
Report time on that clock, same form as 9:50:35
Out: 1:37:51
